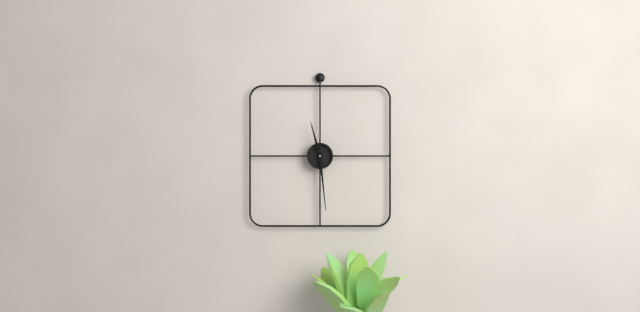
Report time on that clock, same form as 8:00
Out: 11:29
